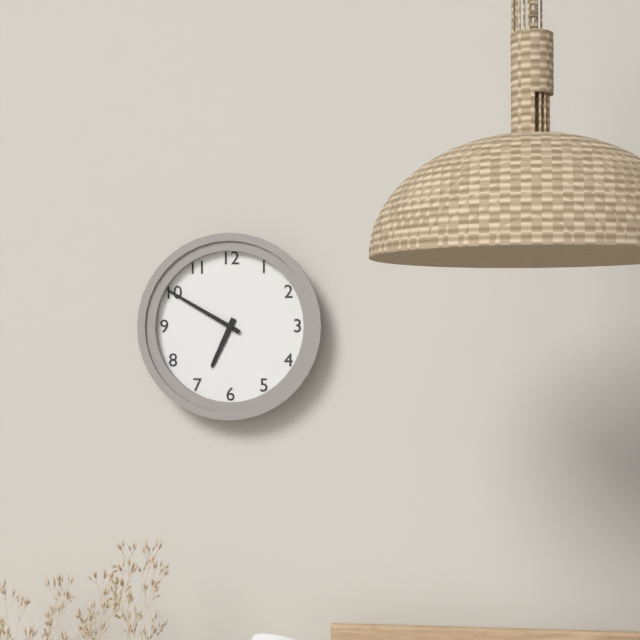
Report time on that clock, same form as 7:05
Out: 6:50
